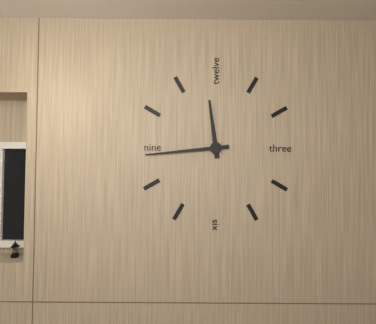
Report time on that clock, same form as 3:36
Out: 11:44
